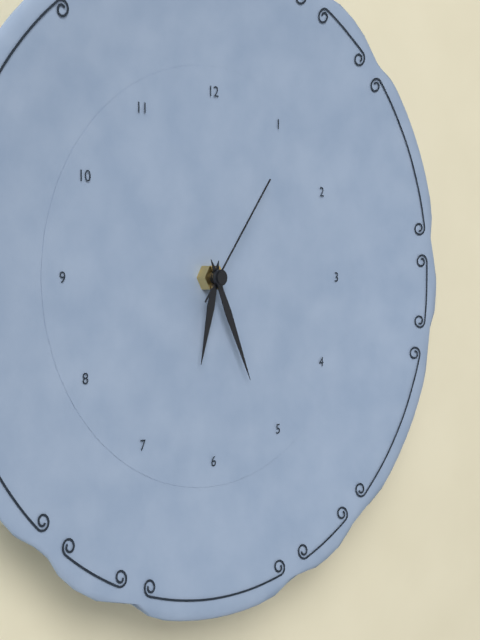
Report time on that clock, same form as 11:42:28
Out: 6:26:06
